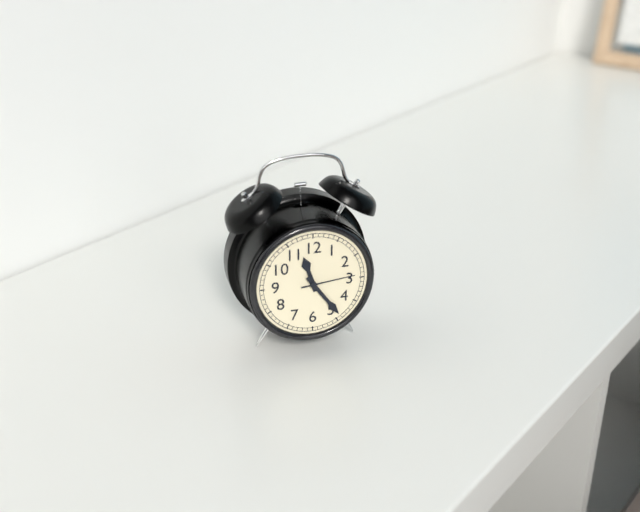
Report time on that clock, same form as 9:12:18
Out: 11:24:14
